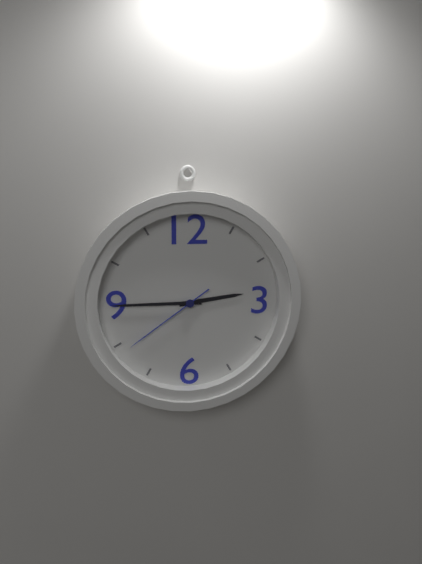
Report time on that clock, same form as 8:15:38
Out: 2:45:39
